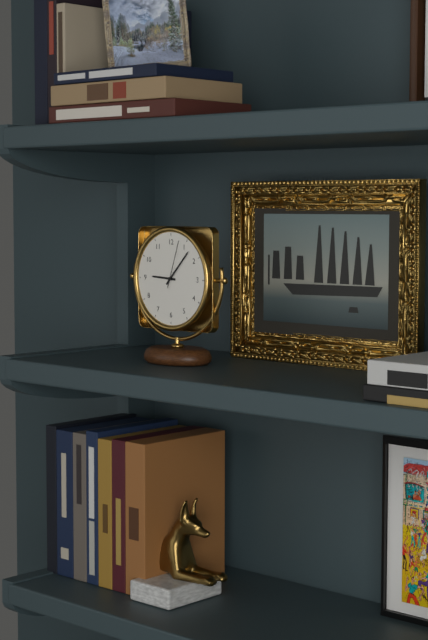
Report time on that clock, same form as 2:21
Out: 9:07
